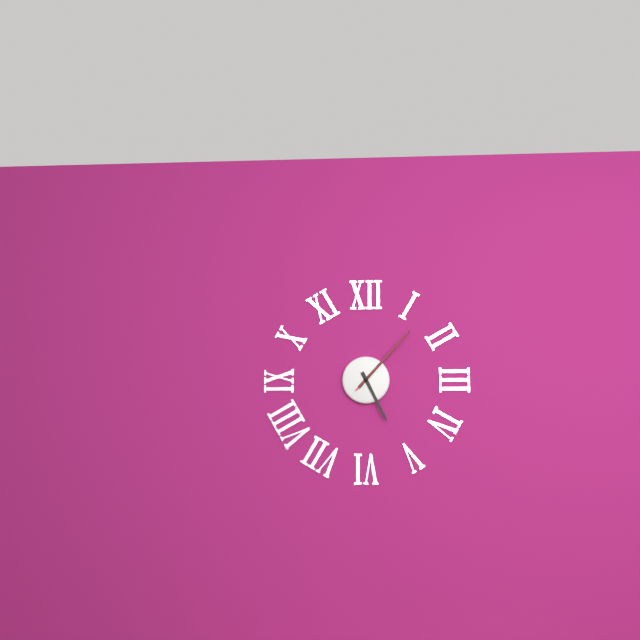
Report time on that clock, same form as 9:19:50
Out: 5:07:07
